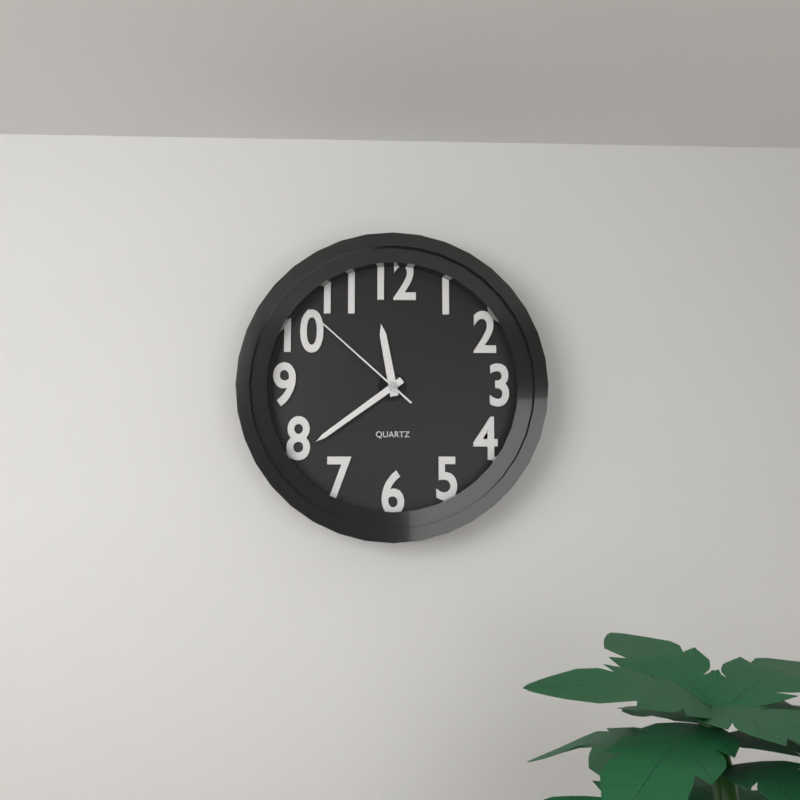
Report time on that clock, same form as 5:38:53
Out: 11:39:52
